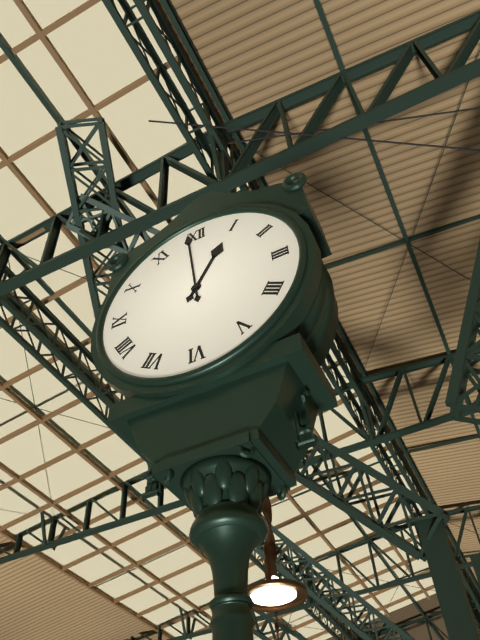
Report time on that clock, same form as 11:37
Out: 12:59
